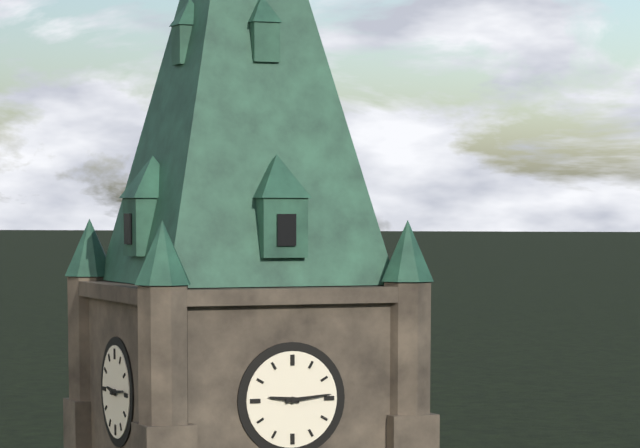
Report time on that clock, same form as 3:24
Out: 9:14
